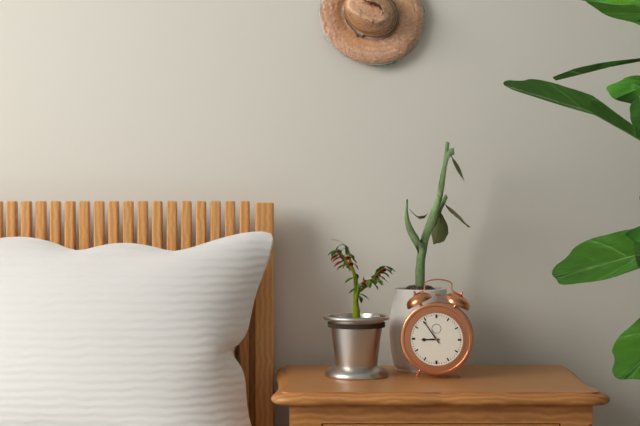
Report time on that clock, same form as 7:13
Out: 8:54
